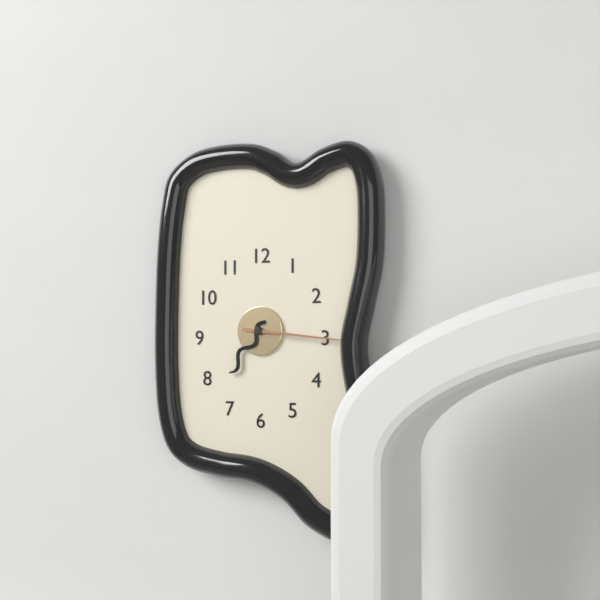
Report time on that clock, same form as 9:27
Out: 7:16
